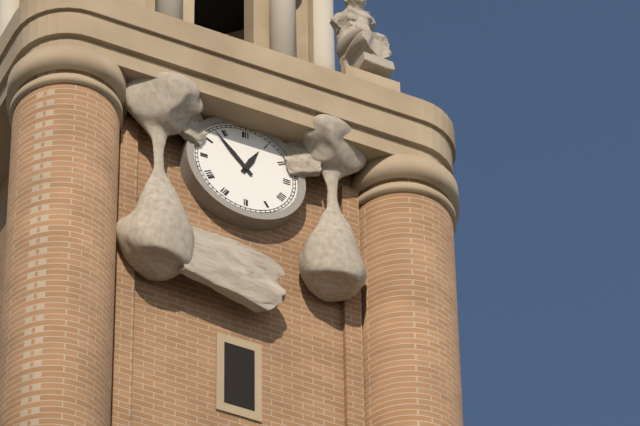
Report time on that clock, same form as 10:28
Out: 12:53
